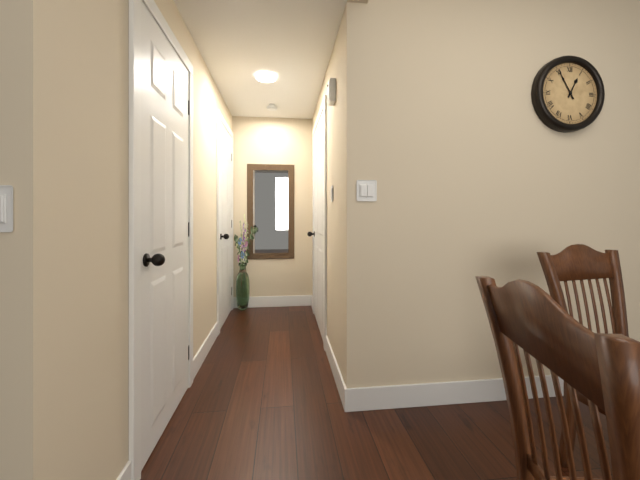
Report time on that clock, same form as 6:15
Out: 12:55
